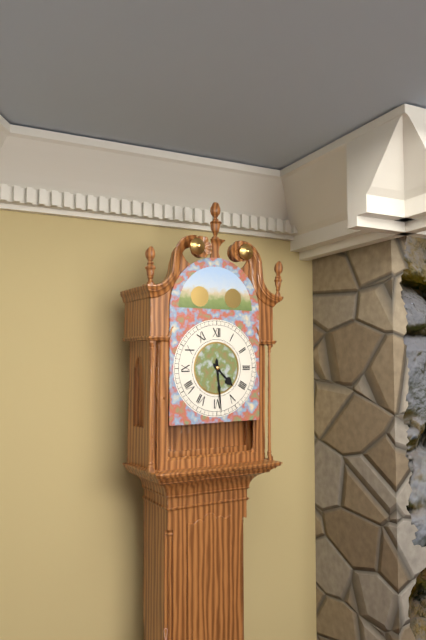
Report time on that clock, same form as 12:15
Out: 4:29
